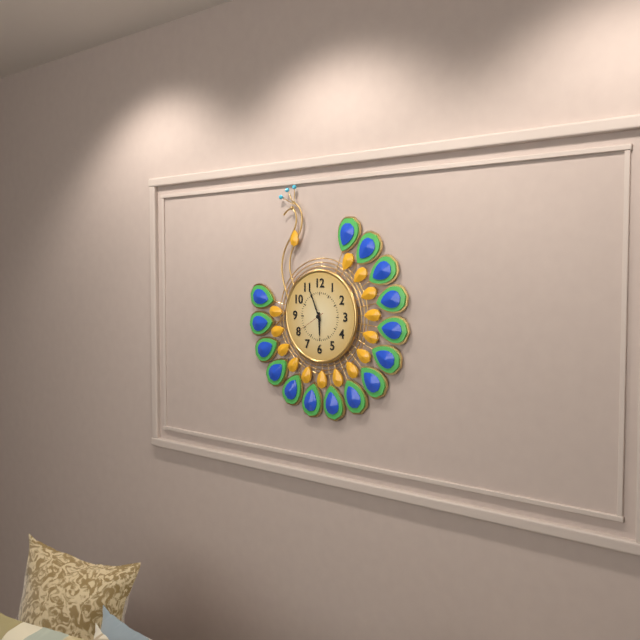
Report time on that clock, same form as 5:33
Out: 5:56
